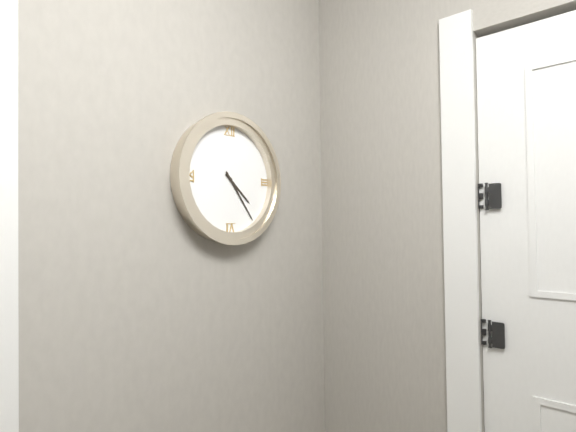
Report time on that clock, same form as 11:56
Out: 4:24
